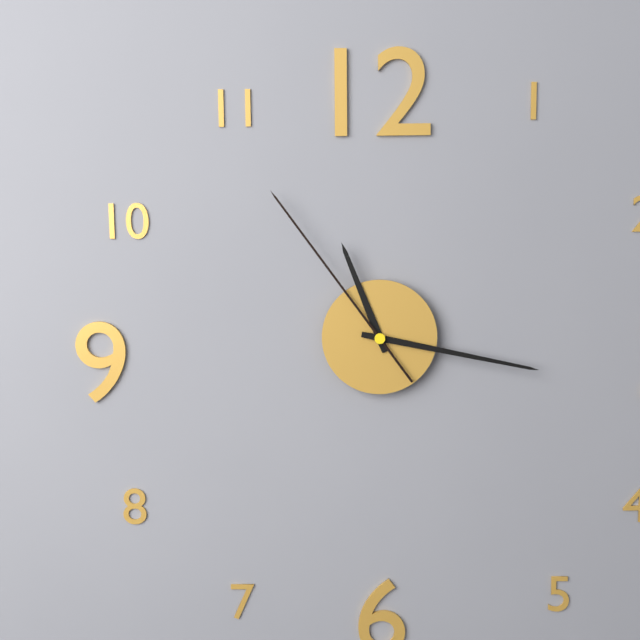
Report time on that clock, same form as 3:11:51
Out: 11:17:54
